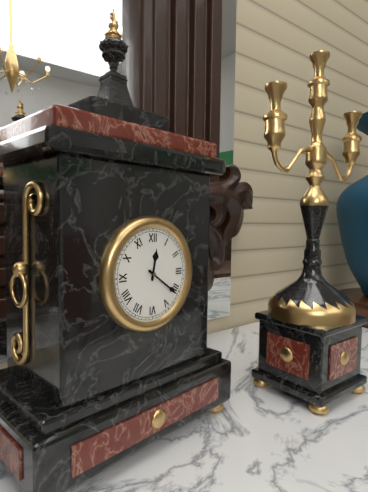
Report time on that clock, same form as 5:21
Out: 12:21
